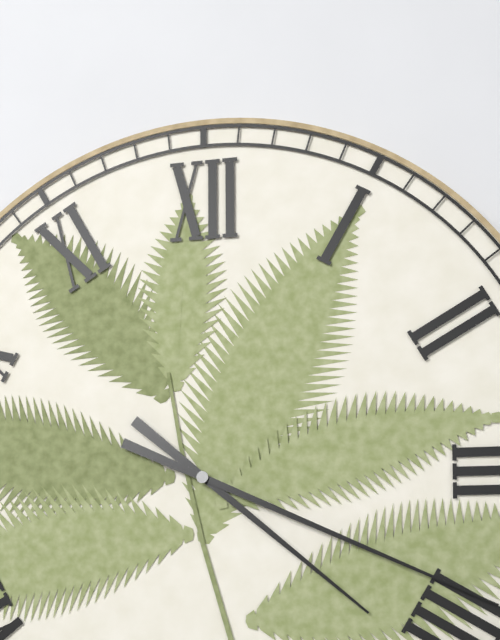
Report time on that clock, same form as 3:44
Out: 4:19
